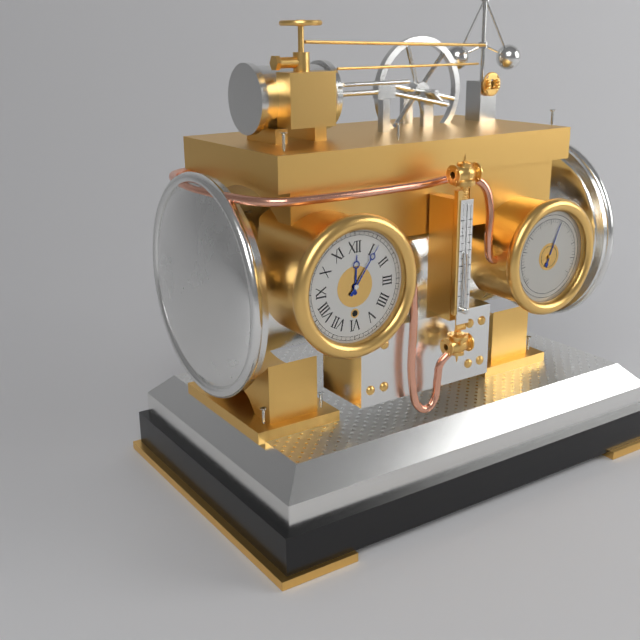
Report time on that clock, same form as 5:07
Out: 12:06
